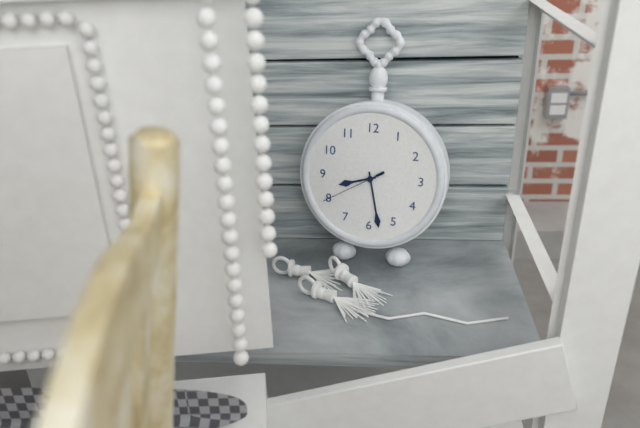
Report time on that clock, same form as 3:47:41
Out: 8:28:40
